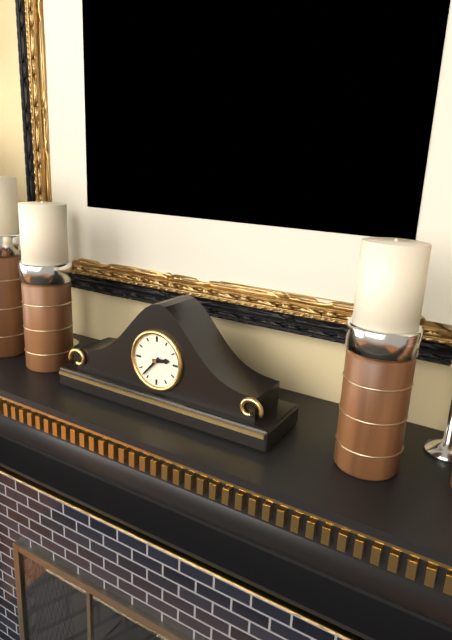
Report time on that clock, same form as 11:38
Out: 2:37
